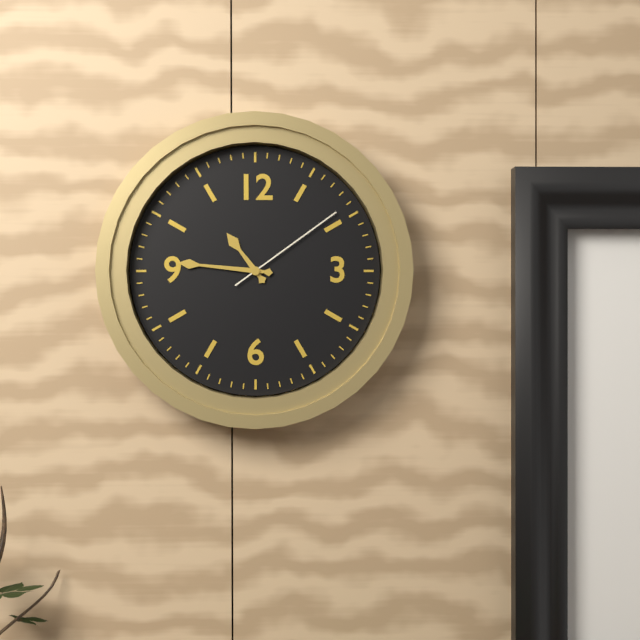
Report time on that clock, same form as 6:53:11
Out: 10:46:09
